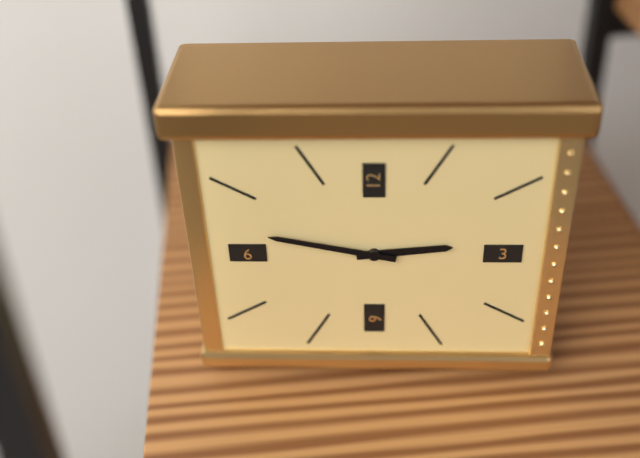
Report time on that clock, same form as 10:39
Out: 2:47
